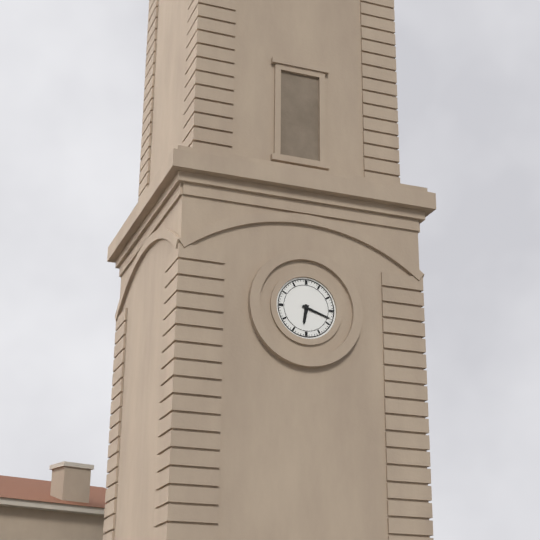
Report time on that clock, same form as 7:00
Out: 6:18
